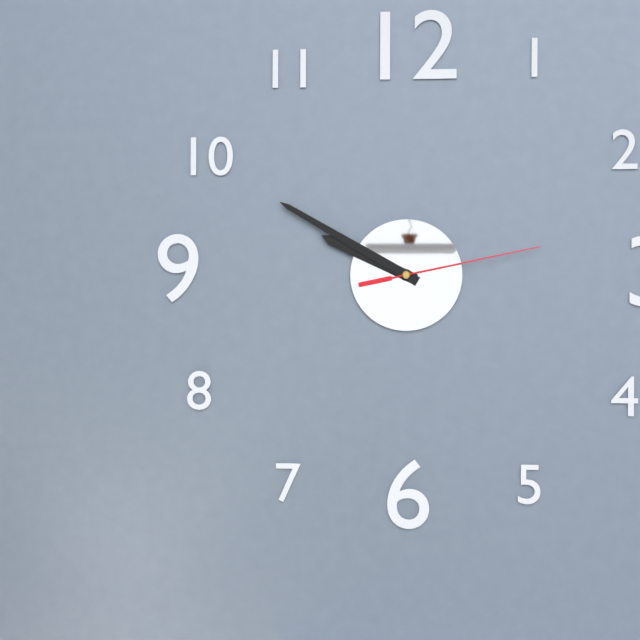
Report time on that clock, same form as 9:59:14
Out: 9:50:13
